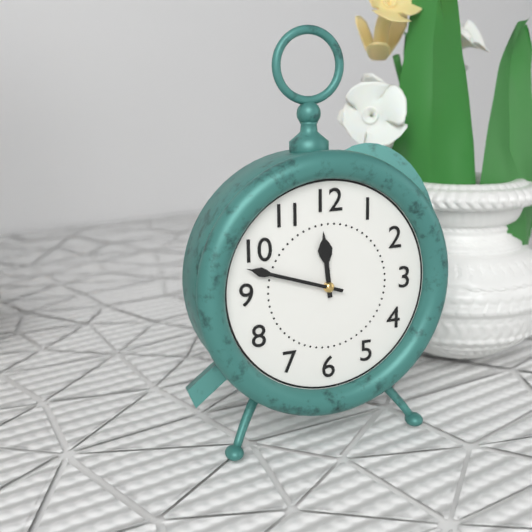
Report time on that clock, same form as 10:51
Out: 11:48
